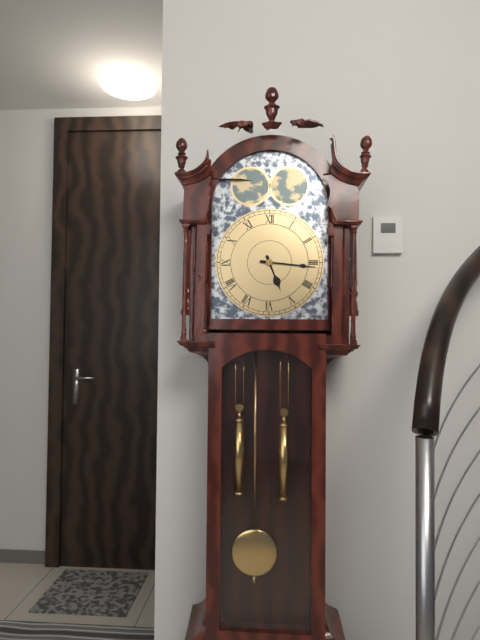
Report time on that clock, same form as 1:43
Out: 5:16
